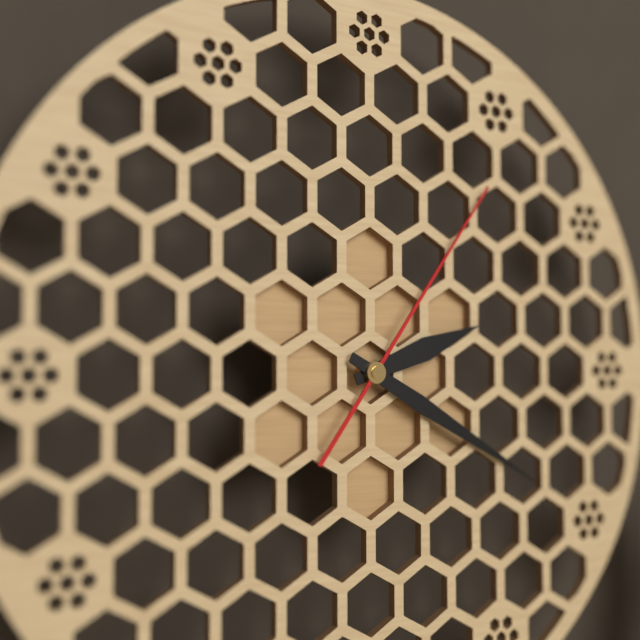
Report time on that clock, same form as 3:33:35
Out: 2:20:06
